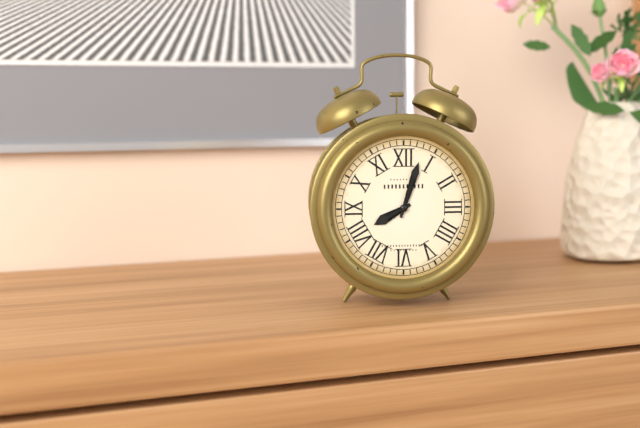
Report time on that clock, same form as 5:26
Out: 8:03
